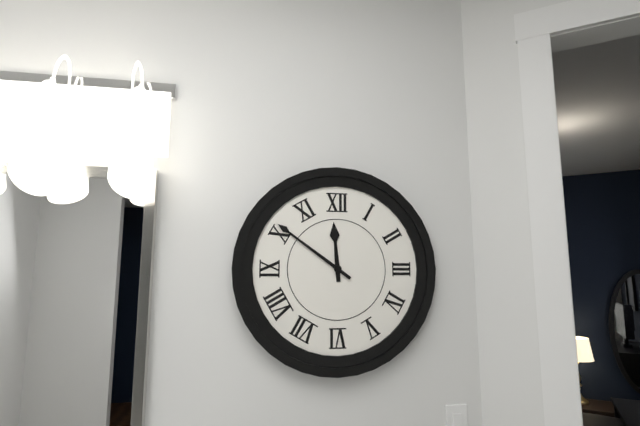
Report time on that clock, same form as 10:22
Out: 11:51
